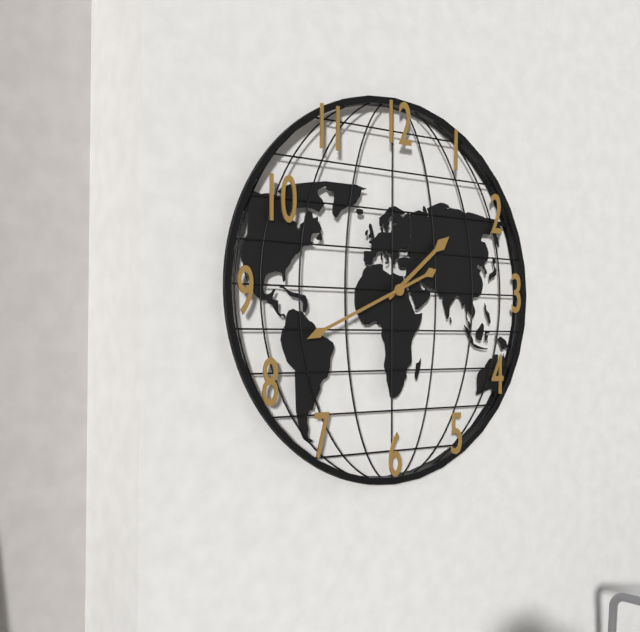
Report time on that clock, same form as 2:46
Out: 1:41
